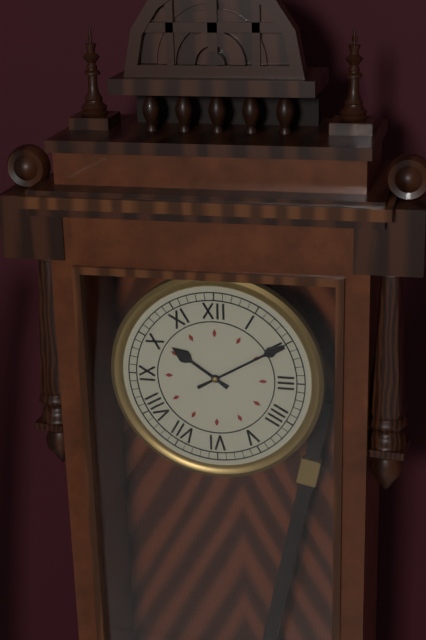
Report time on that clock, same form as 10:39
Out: 10:10
